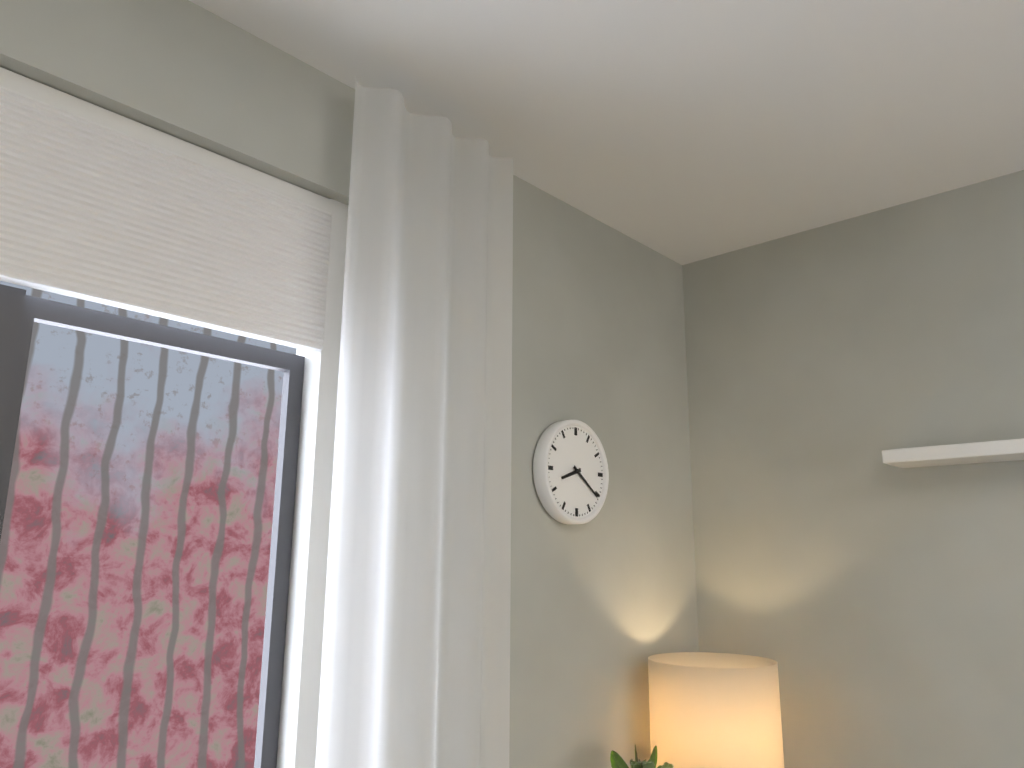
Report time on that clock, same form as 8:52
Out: 8:21
